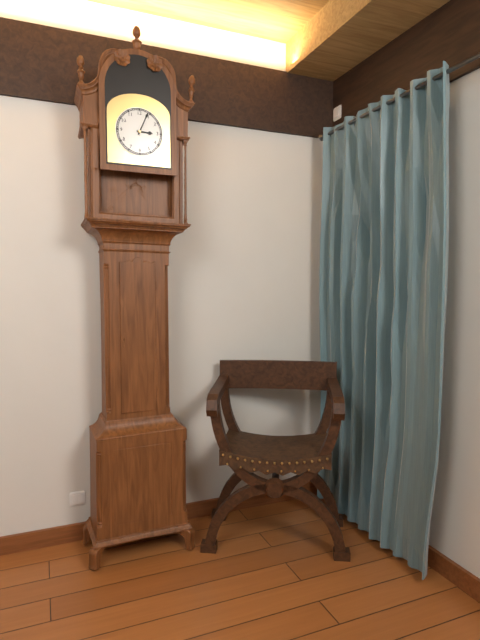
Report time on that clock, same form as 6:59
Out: 3:04
